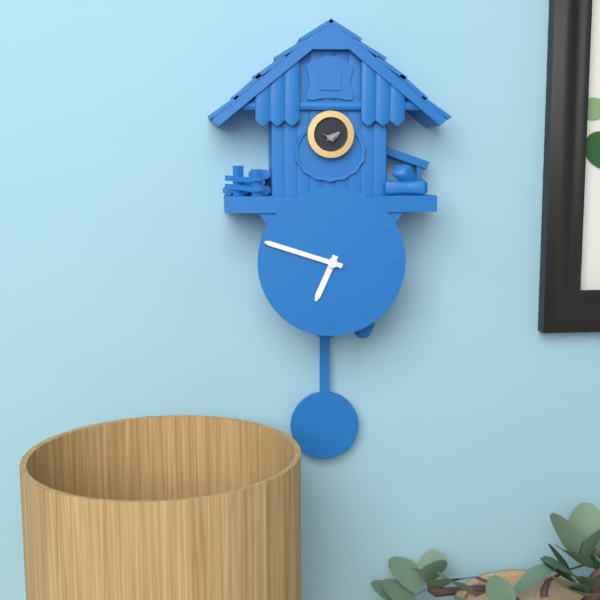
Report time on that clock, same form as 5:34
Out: 6:48
